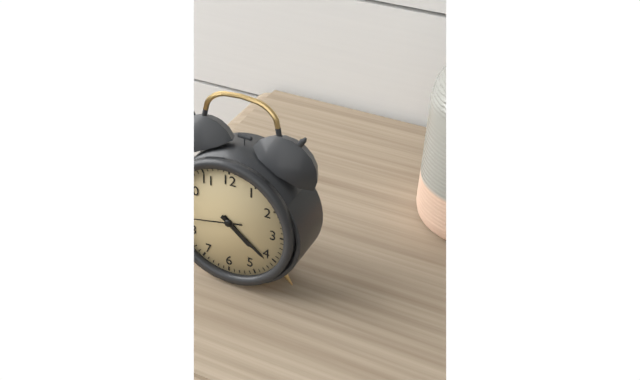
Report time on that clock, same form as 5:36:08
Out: 4:21:43
